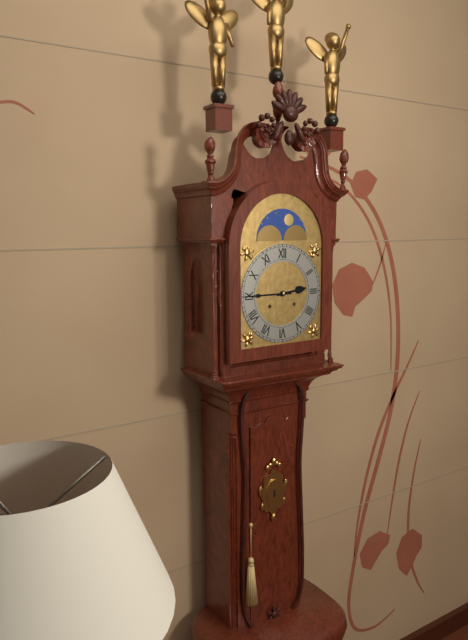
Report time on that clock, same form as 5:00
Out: 2:45
